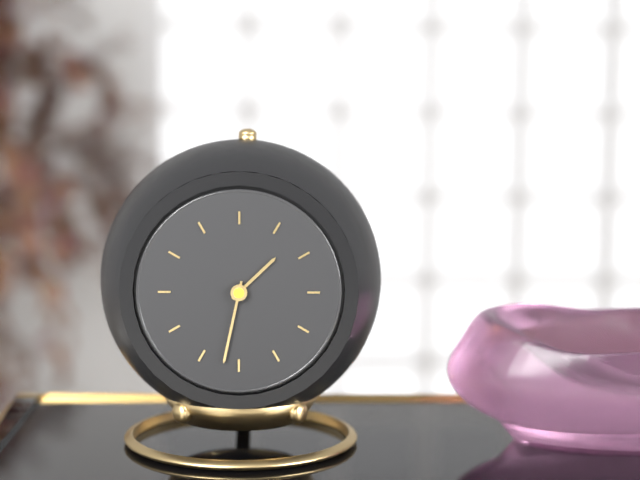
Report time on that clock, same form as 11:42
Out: 1:32
